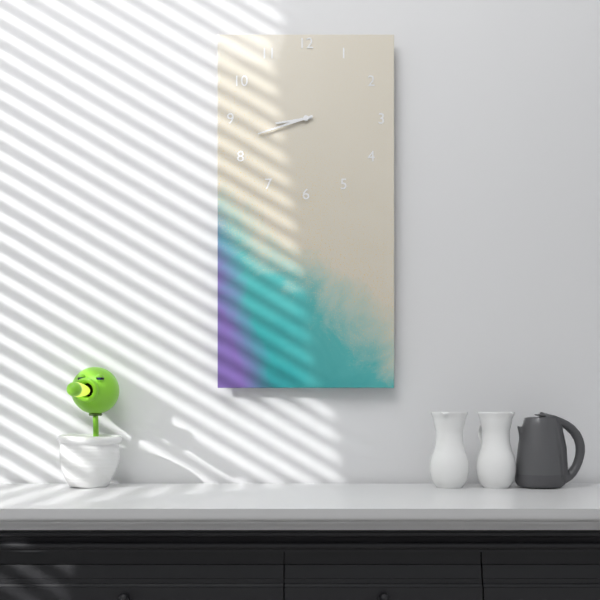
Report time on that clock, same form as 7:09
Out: 8:42
